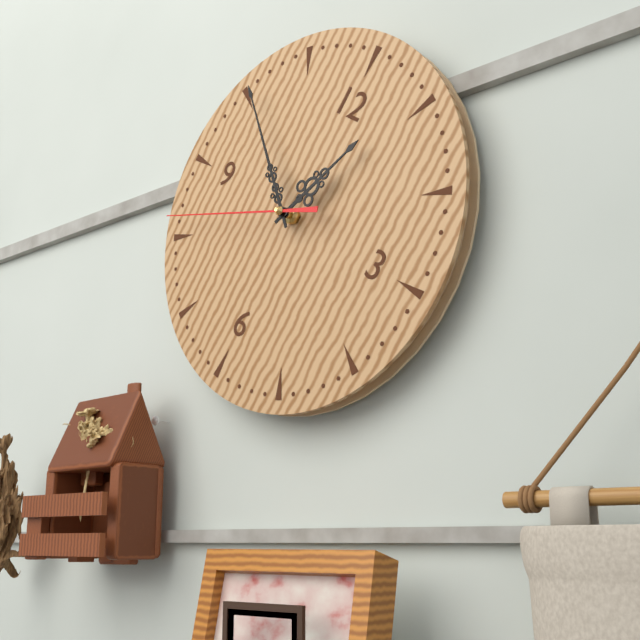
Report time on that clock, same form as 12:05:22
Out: 12:51:41
